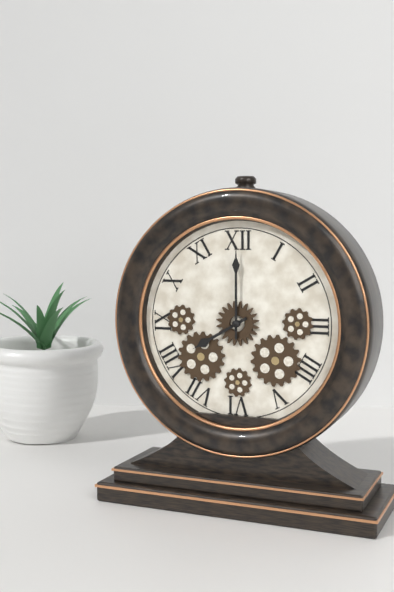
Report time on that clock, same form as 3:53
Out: 8:00
